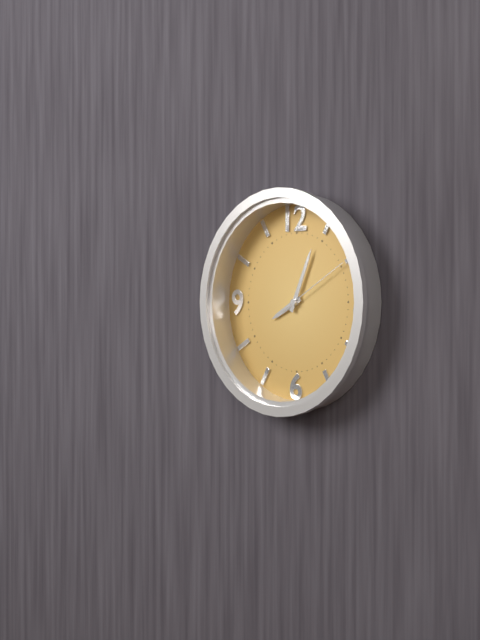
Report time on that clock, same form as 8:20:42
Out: 8:04:10
